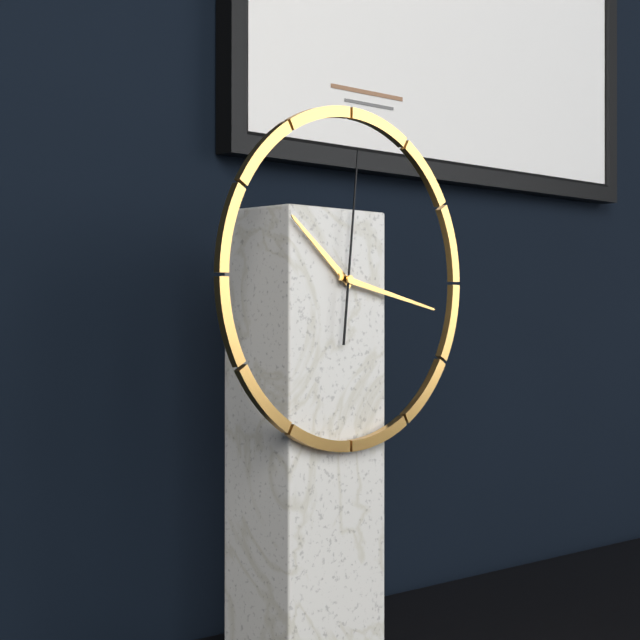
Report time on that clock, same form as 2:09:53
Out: 10:17:01
